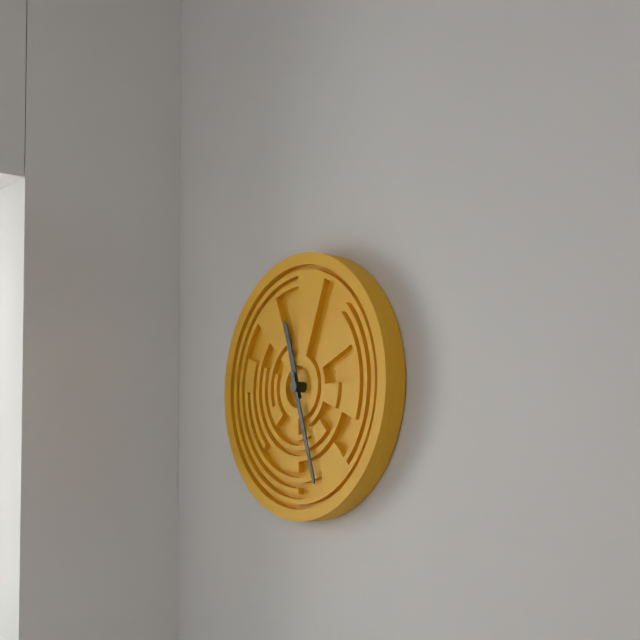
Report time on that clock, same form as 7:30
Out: 11:27
